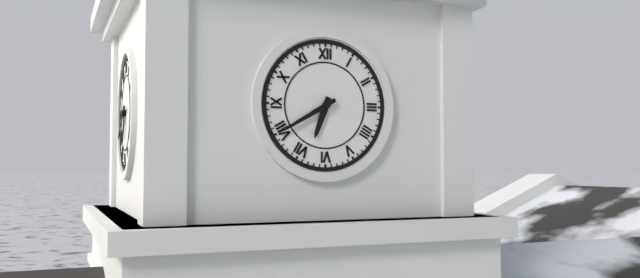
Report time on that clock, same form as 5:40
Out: 6:40
